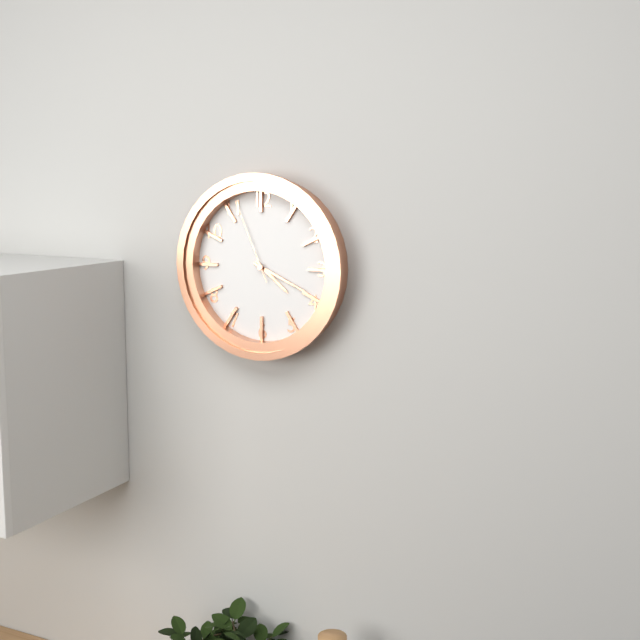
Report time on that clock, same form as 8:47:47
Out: 4:19:56
